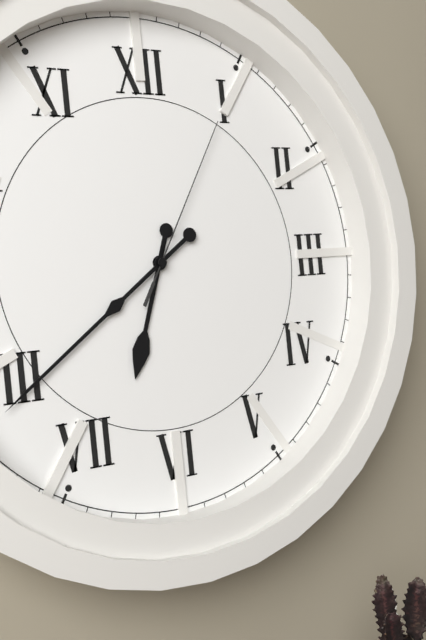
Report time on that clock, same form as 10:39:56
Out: 6:39:05
